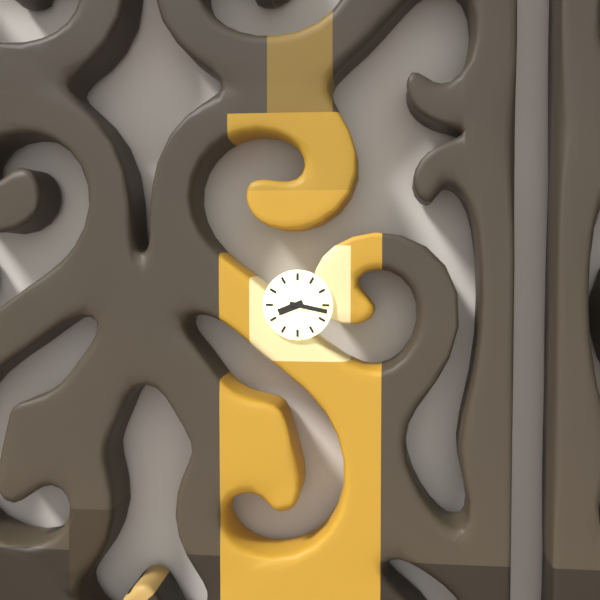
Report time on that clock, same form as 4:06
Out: 8:17
